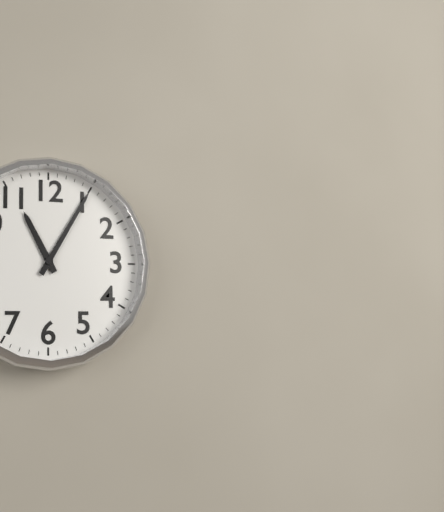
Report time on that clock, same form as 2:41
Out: 11:05
